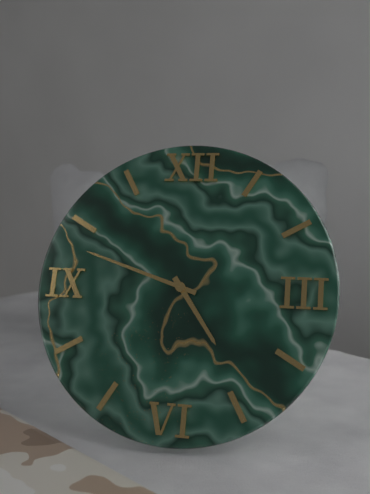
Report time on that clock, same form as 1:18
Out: 4:48
